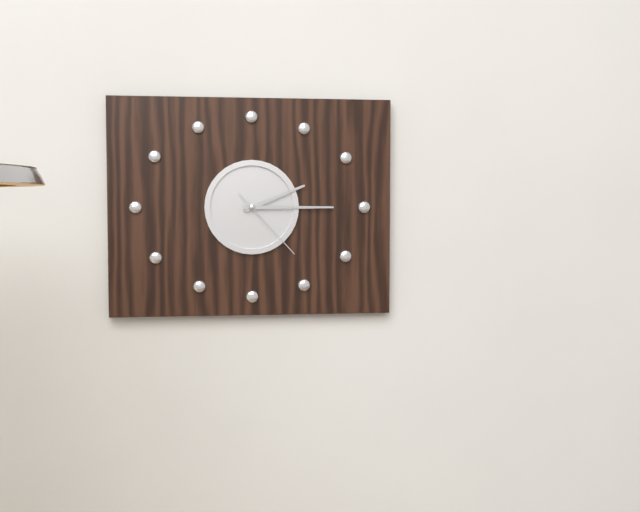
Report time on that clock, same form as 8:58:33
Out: 2:15:23
